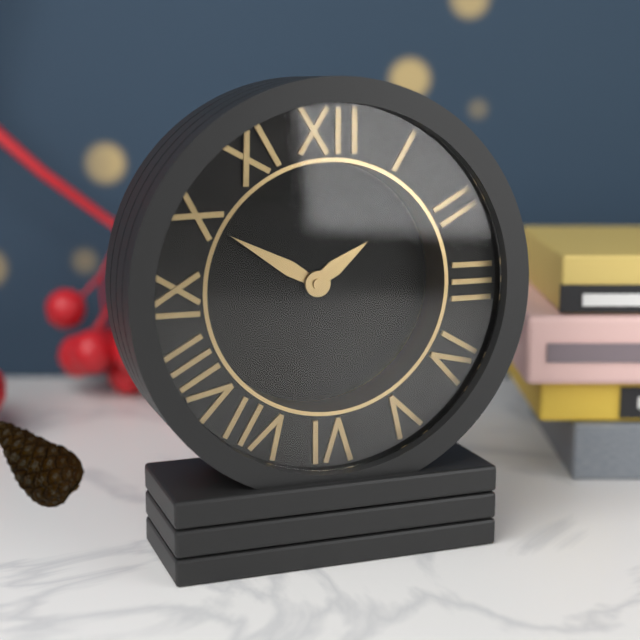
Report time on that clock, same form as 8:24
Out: 1:50
